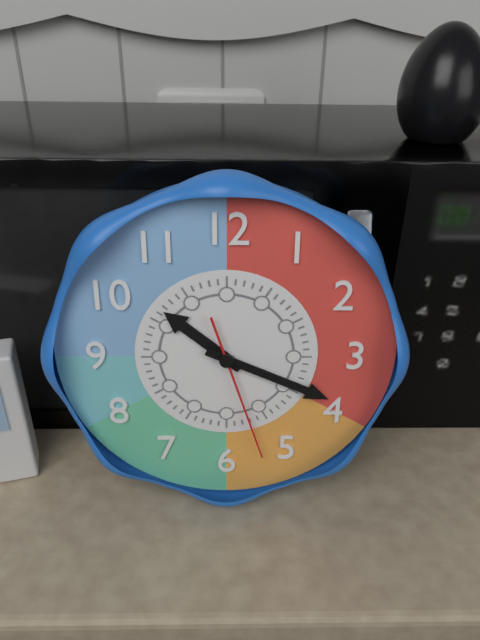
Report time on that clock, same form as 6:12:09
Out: 10:19:27
